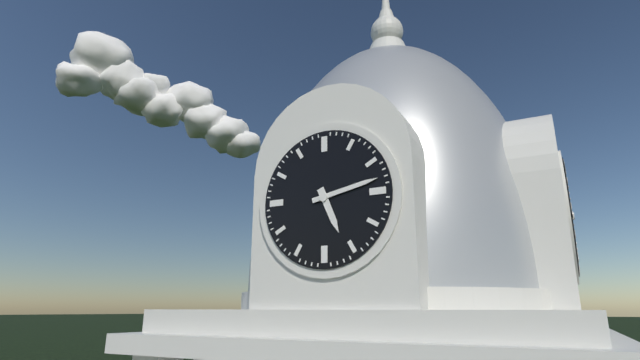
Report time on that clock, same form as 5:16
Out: 5:13
